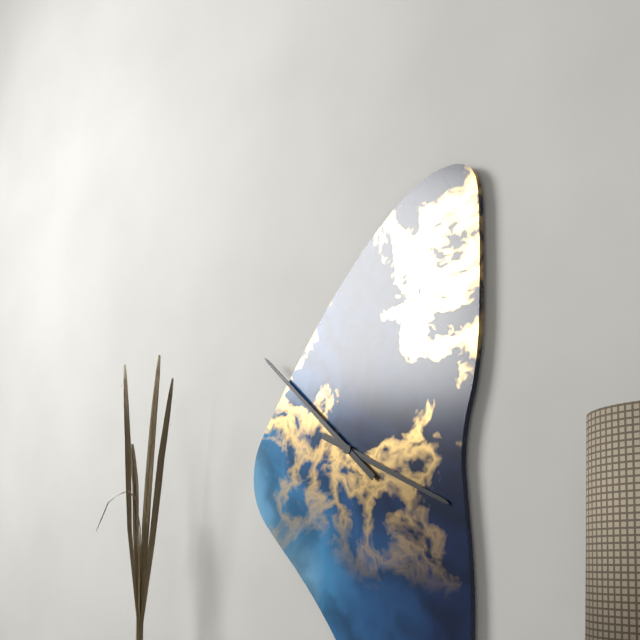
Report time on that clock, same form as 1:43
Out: 3:52
